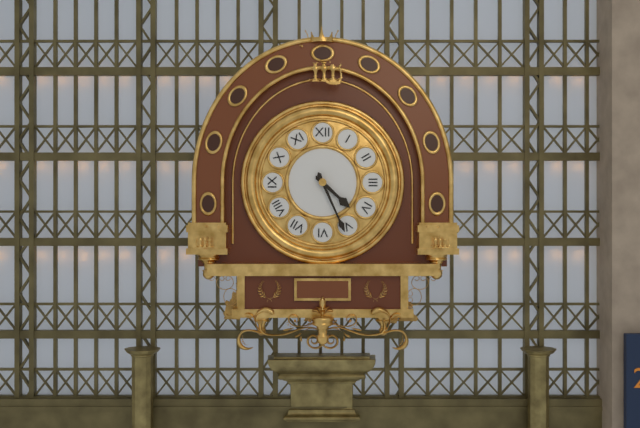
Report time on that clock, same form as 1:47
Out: 4:26
